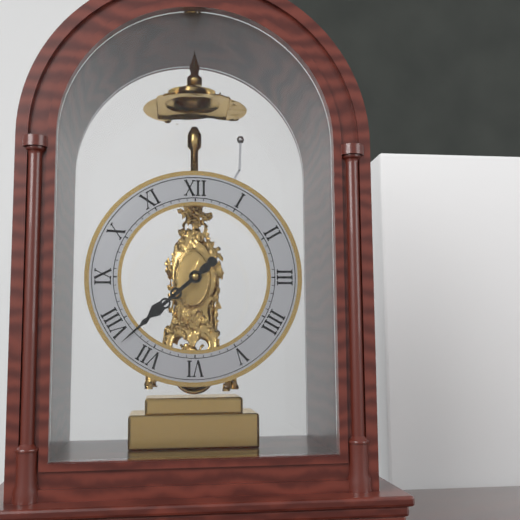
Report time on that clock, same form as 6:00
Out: 7:38
